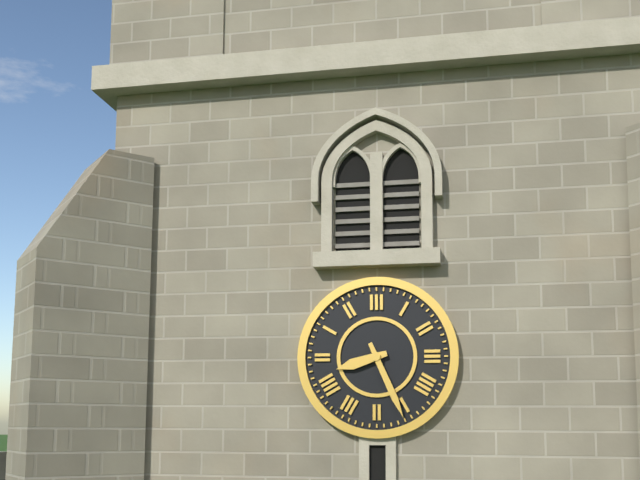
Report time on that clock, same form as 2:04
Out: 8:26
